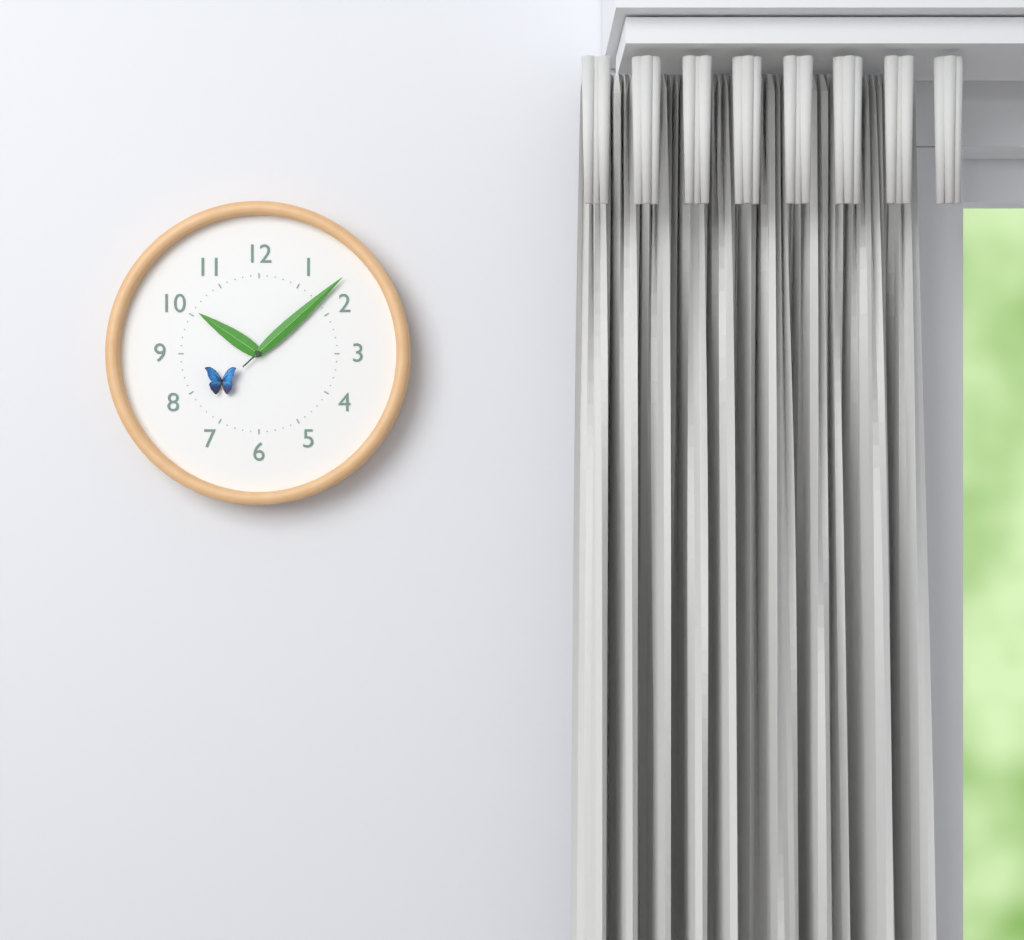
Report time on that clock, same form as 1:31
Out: 10:08
